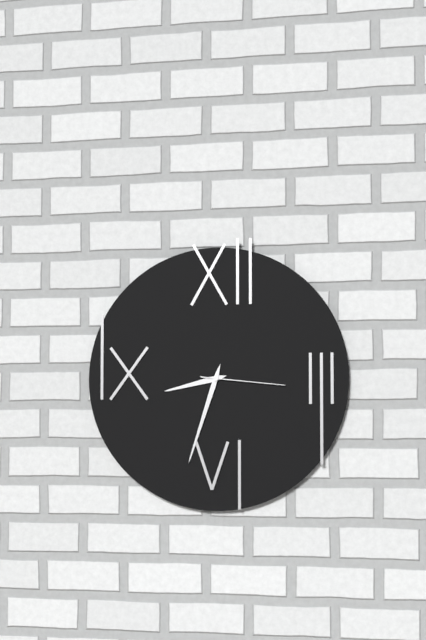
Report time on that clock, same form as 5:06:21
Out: 8:33:16
